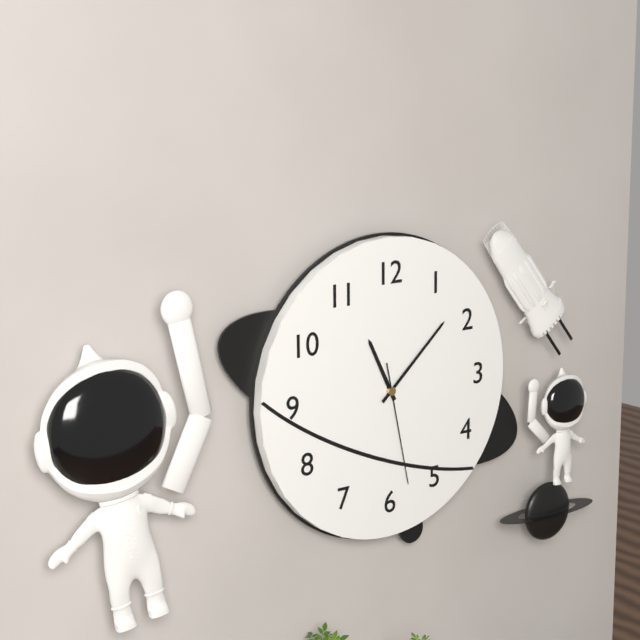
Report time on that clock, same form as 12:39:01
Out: 11:08:28
